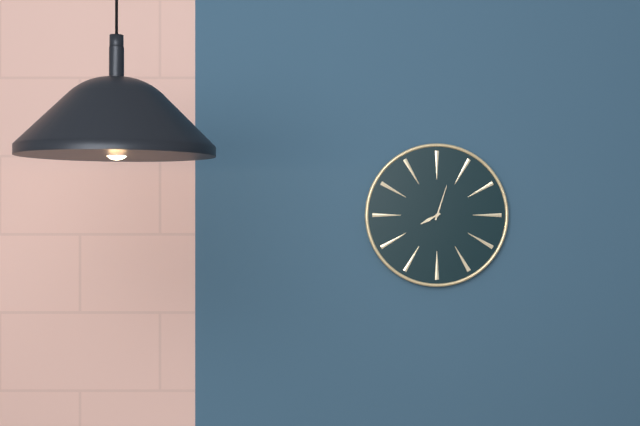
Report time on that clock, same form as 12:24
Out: 8:03
